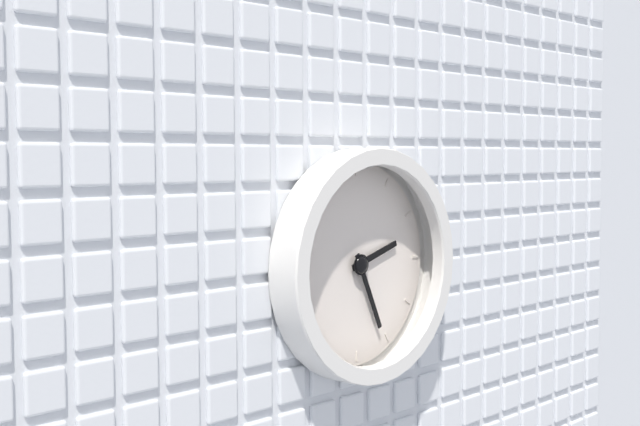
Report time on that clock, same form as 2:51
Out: 2:26
